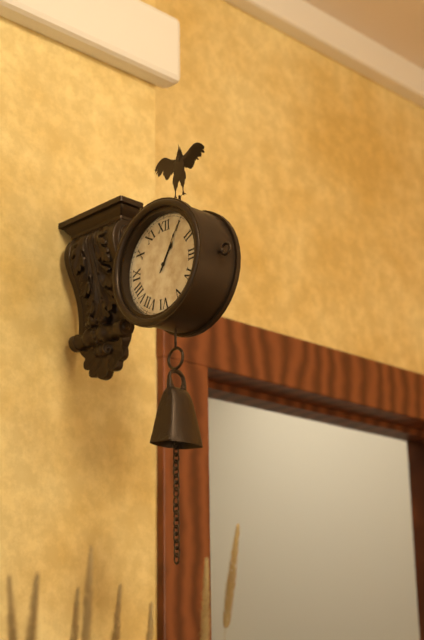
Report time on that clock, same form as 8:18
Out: 1:05
